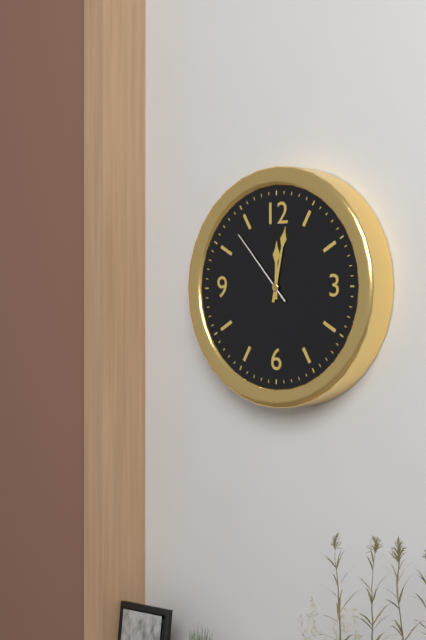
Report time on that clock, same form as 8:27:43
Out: 12:02:53
